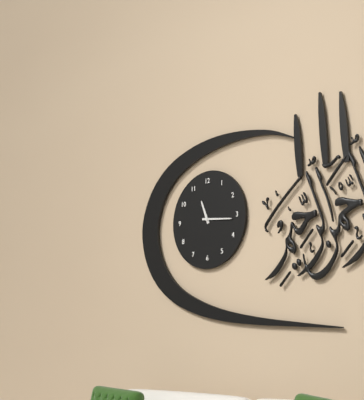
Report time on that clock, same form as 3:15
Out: 11:16
